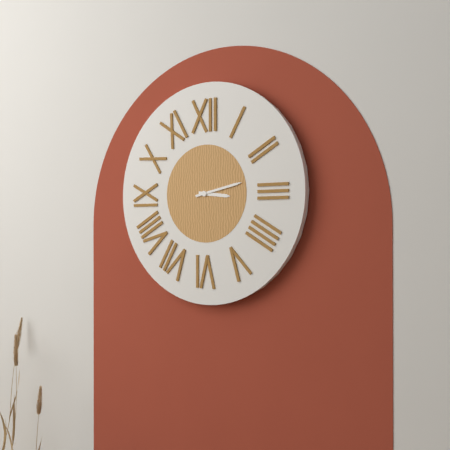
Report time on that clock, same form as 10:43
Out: 3:13
